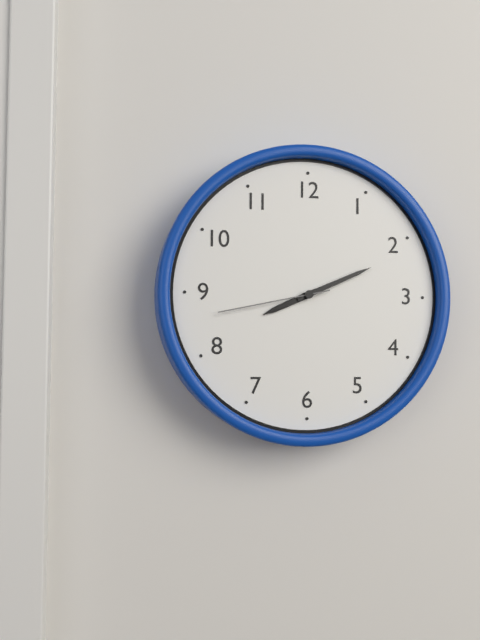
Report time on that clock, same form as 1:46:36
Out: 8:11:43
